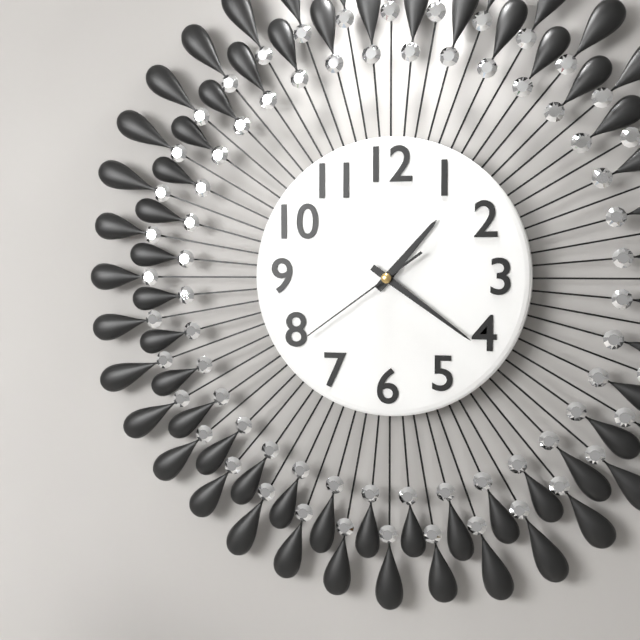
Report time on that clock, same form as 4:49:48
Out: 1:21:39
